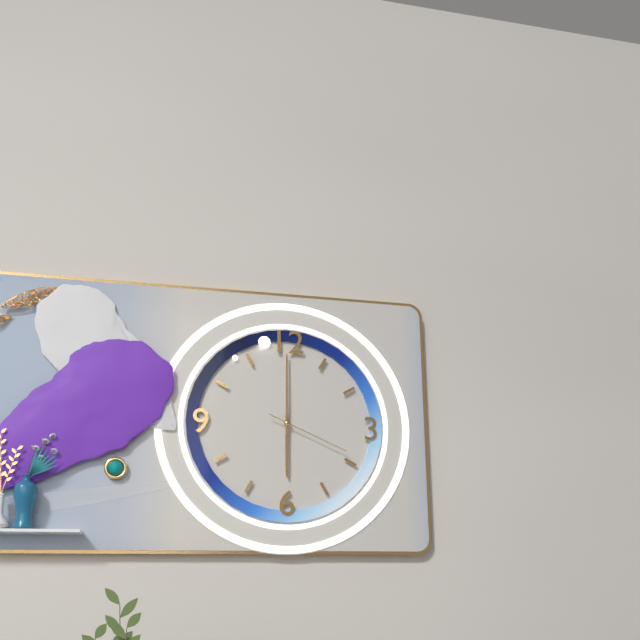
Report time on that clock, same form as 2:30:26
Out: 6:00:19
